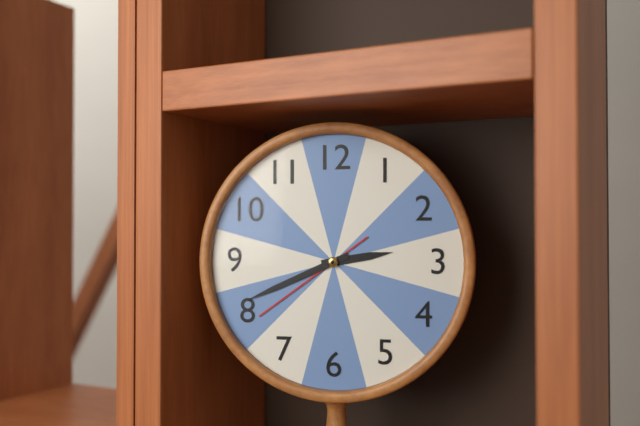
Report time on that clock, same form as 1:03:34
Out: 2:41:39
